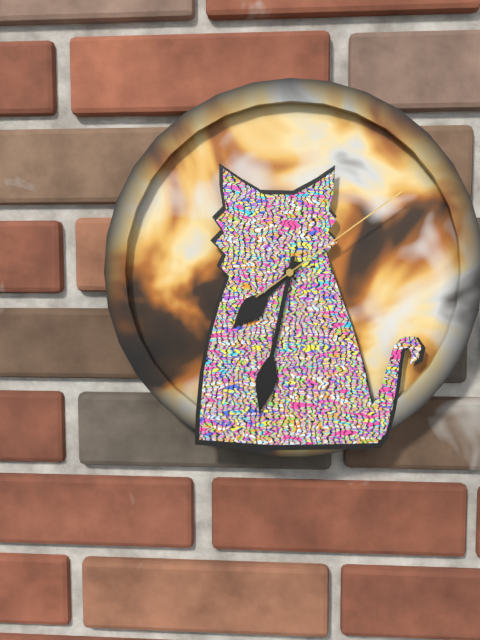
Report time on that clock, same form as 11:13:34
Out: 7:32:09
